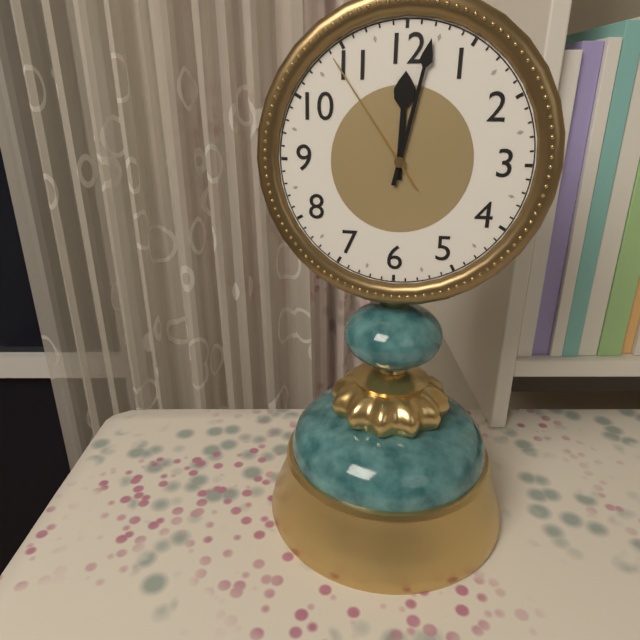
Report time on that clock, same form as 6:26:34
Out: 12:02:54
